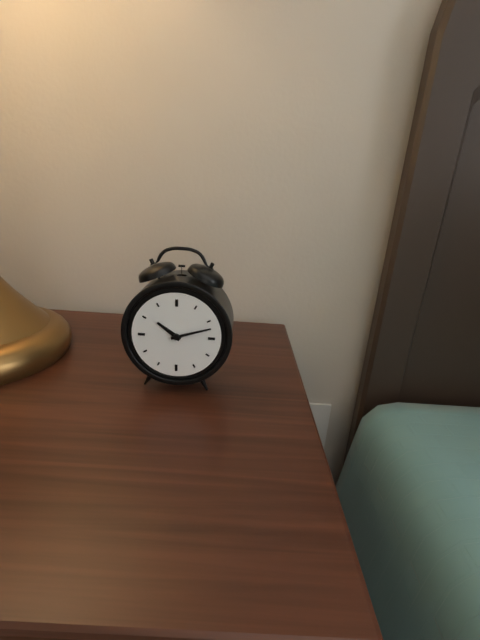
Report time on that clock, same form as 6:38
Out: 10:12
